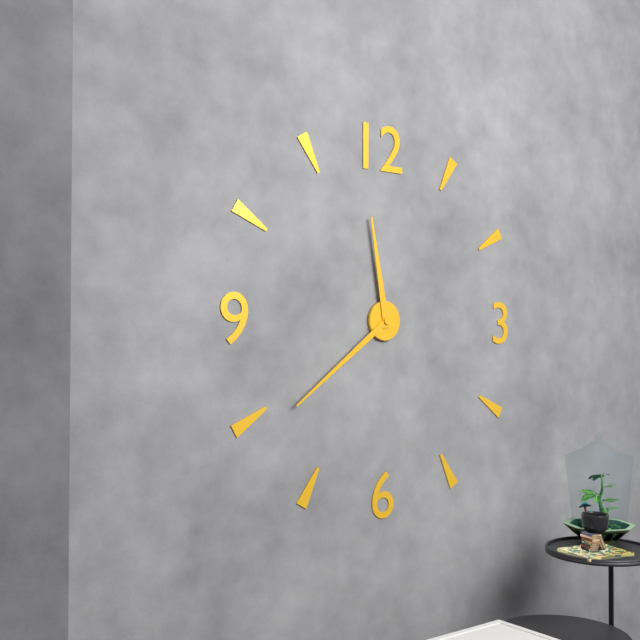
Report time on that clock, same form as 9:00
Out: 11:39
